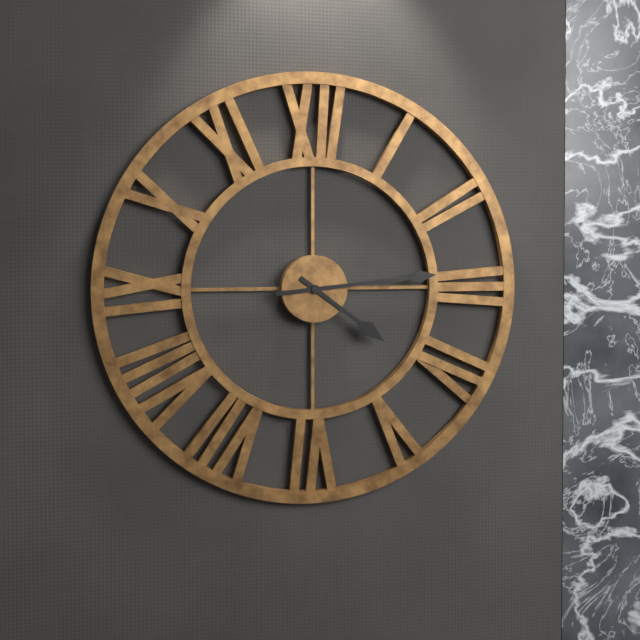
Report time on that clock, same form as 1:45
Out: 4:14
